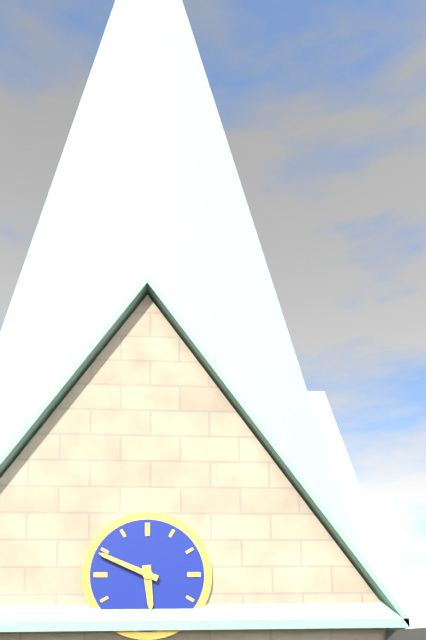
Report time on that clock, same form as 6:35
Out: 5:49
